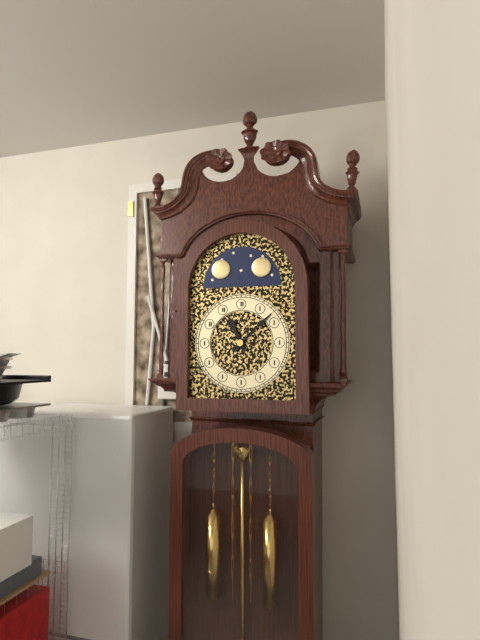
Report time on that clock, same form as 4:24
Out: 11:08
